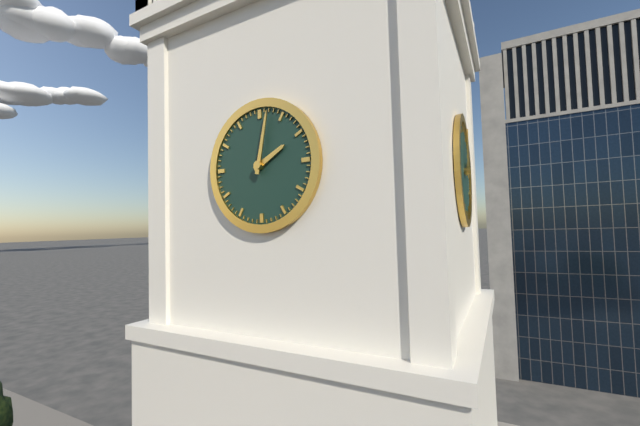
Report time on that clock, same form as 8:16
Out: 2:02
